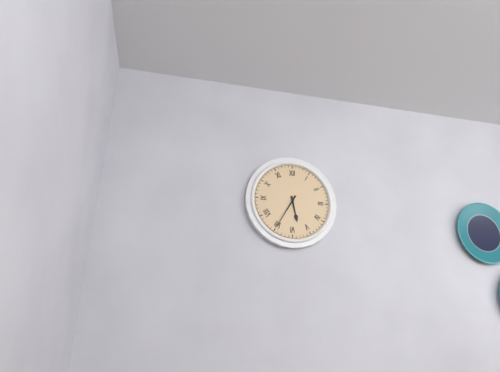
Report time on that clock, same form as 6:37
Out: 5:35
